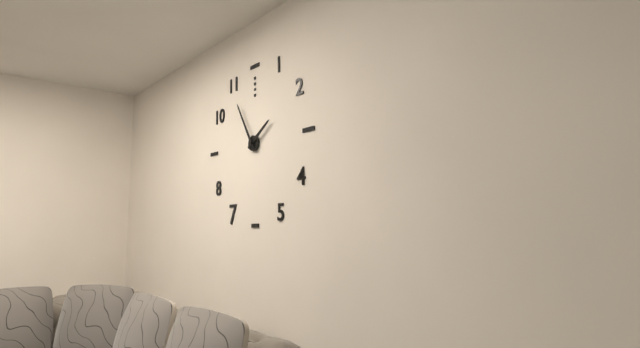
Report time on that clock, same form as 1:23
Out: 1:55
